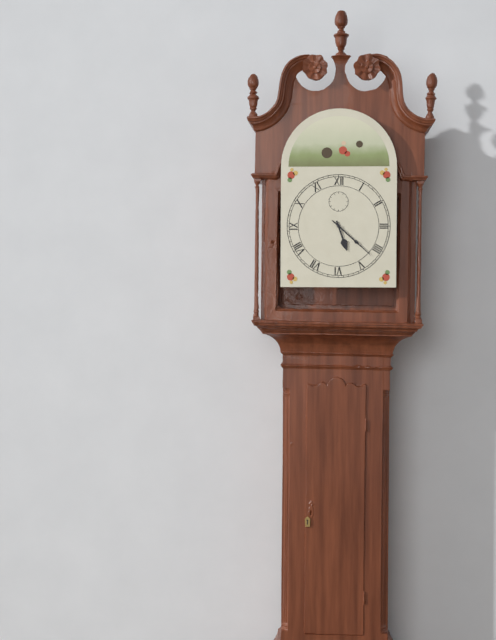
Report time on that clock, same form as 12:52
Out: 5:22
